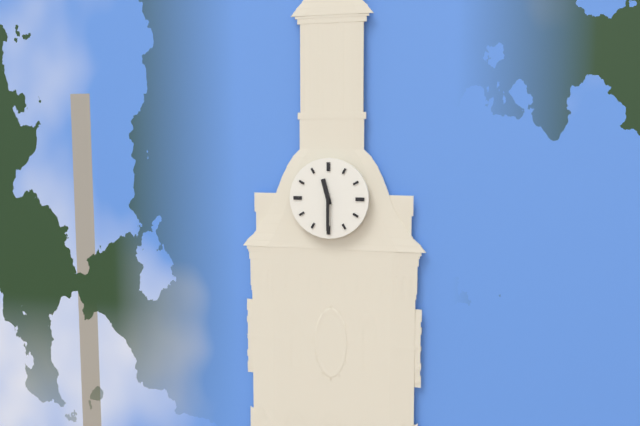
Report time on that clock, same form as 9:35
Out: 11:30
